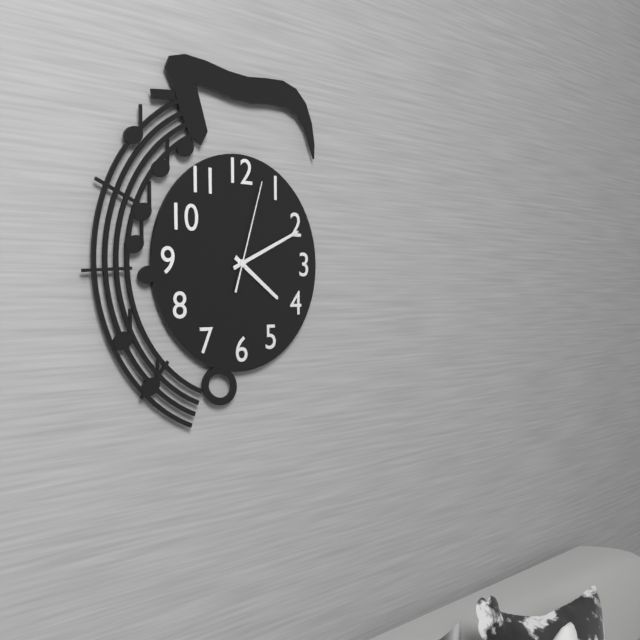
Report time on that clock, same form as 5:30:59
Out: 4:11:03
